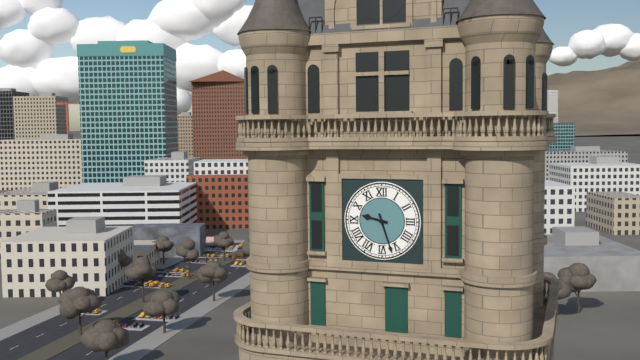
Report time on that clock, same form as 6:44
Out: 9:27
